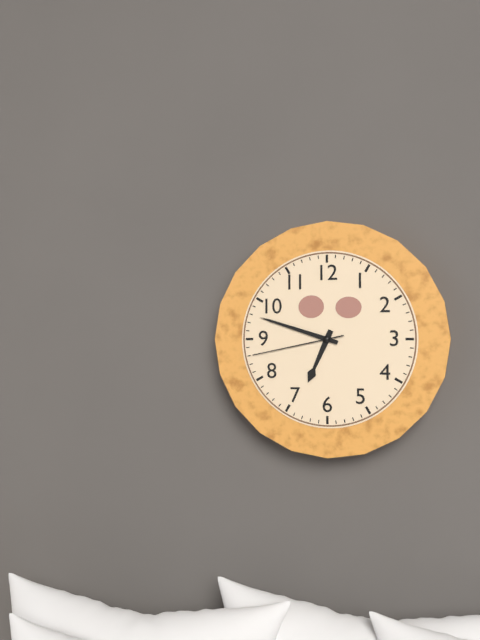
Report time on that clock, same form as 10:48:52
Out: 6:48:43
